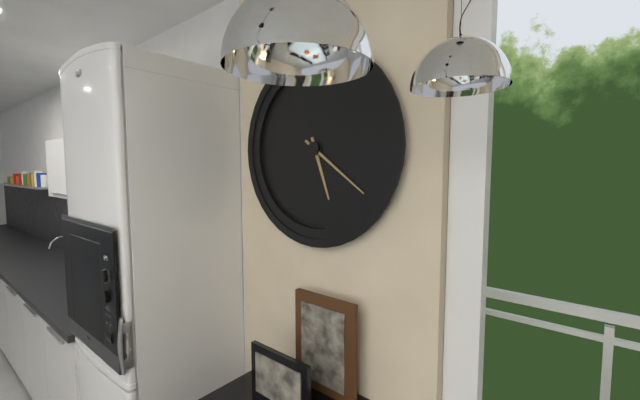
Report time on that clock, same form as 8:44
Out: 5:21
